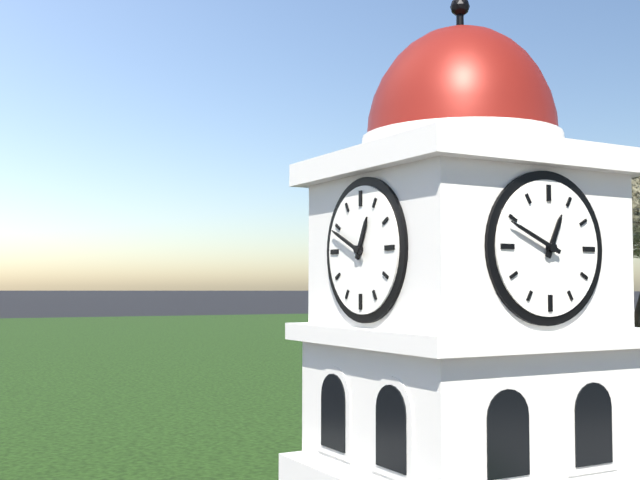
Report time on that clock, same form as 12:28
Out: 12:49
